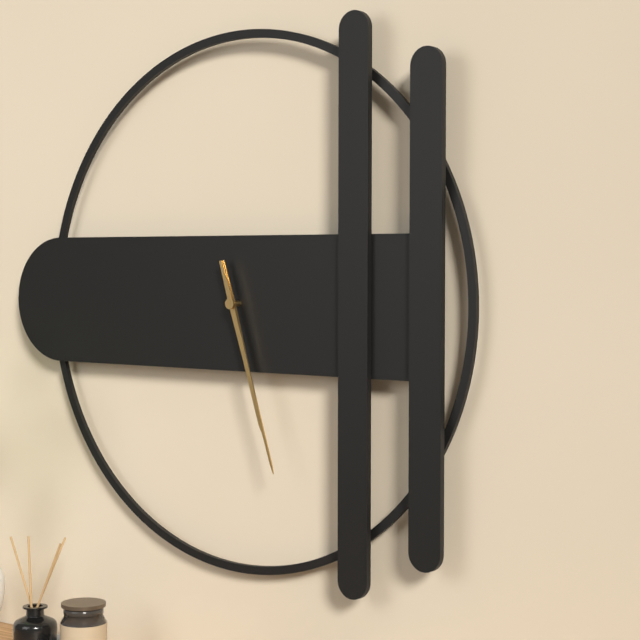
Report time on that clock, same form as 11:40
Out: 5:27
